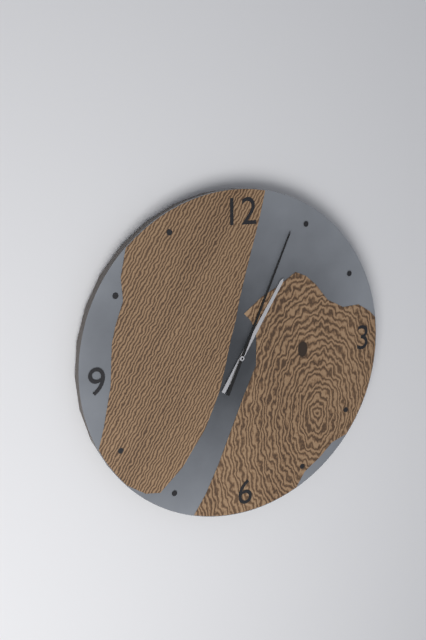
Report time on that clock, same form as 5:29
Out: 1:04
